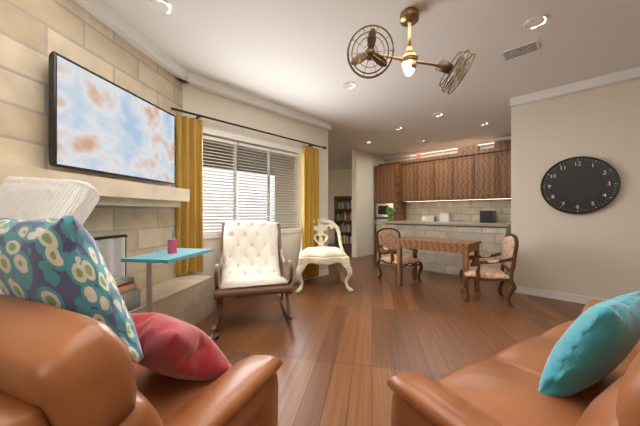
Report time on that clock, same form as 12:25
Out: 1:31
